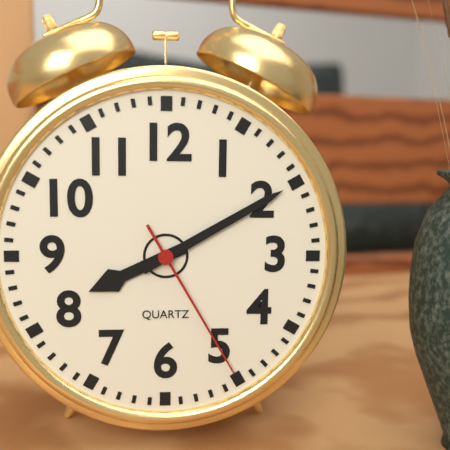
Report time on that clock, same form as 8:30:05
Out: 8:10:25
